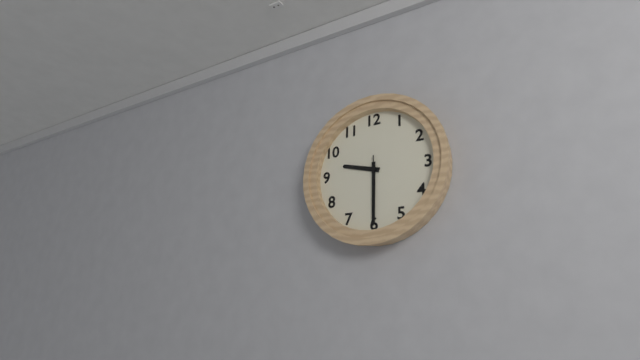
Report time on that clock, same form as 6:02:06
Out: 9:30:30
